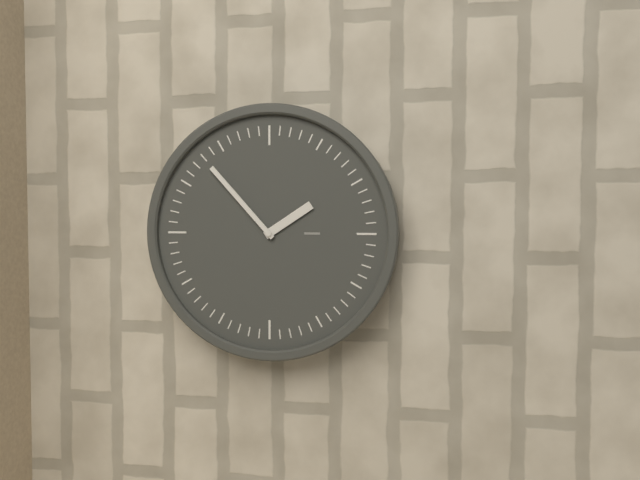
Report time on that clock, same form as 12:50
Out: 1:53
